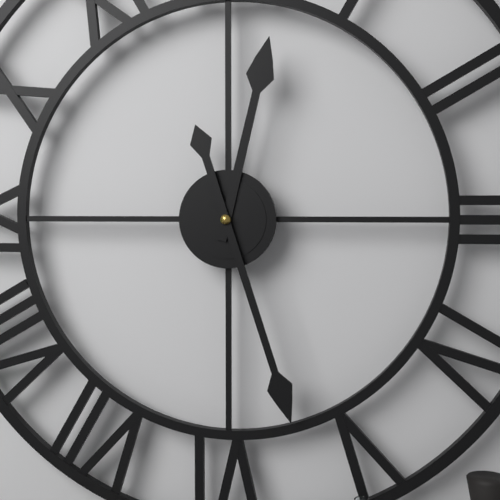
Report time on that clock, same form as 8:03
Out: 12:27
